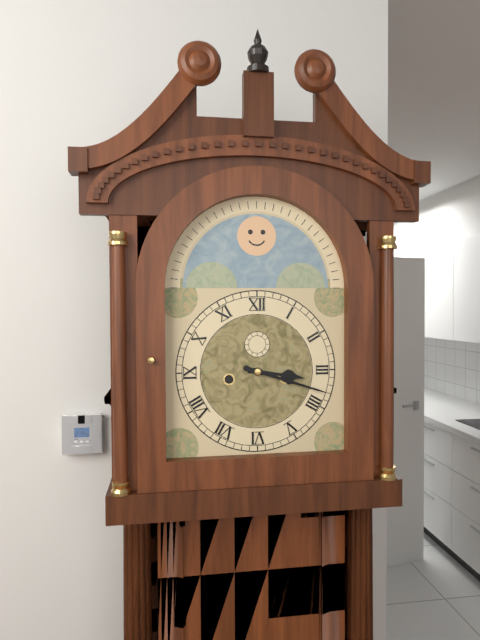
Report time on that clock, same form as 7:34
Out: 3:18
